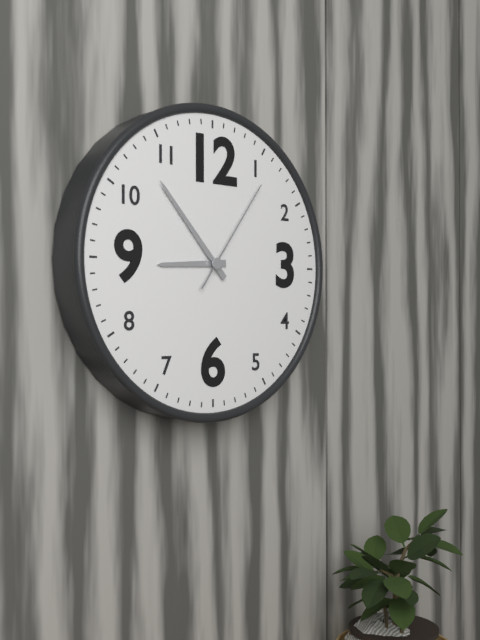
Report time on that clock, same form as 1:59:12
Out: 8:53:06
